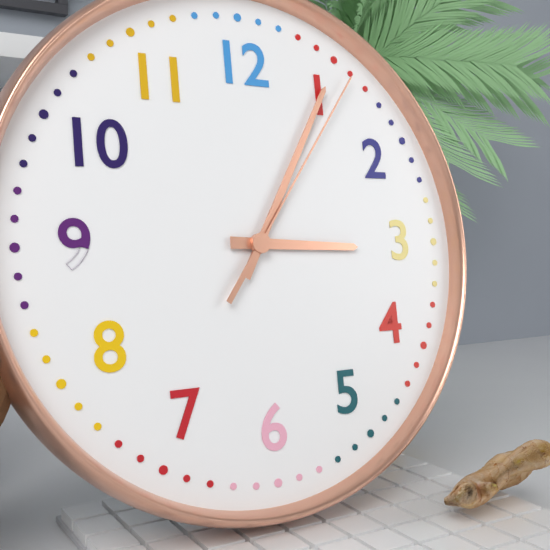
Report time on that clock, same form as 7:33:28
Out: 3:05:06
